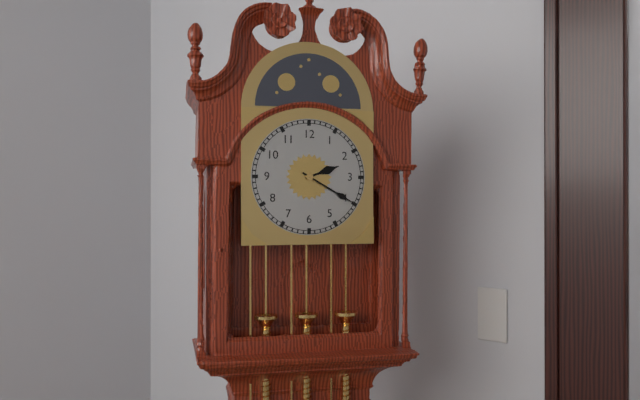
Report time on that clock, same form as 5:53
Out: 2:20
